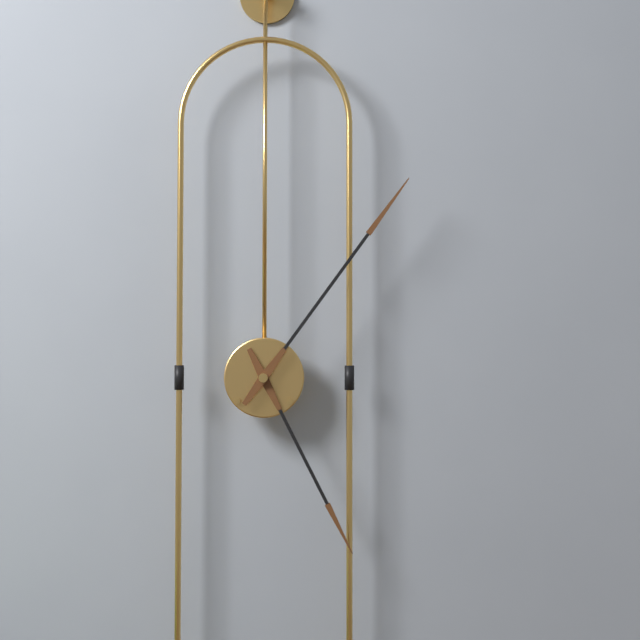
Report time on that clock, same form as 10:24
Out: 5:06
